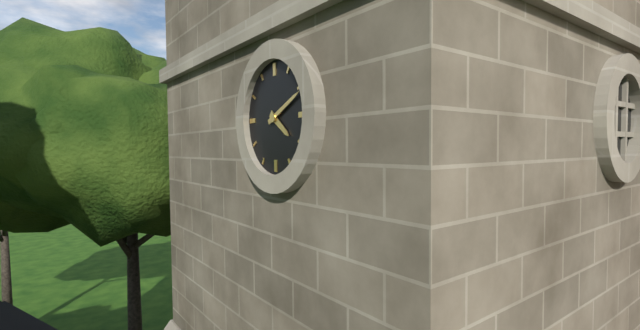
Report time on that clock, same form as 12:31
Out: 4:11
